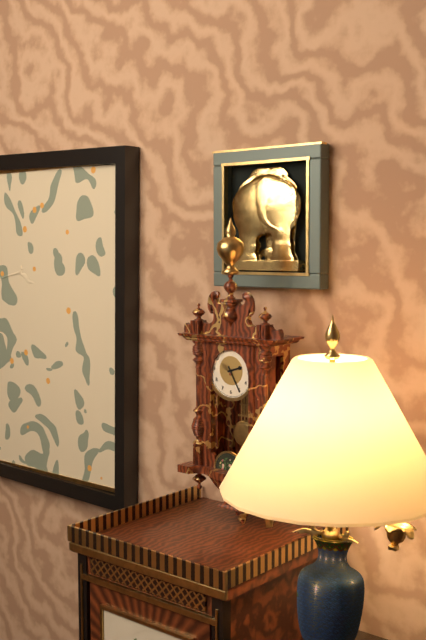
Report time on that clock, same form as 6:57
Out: 2:25
